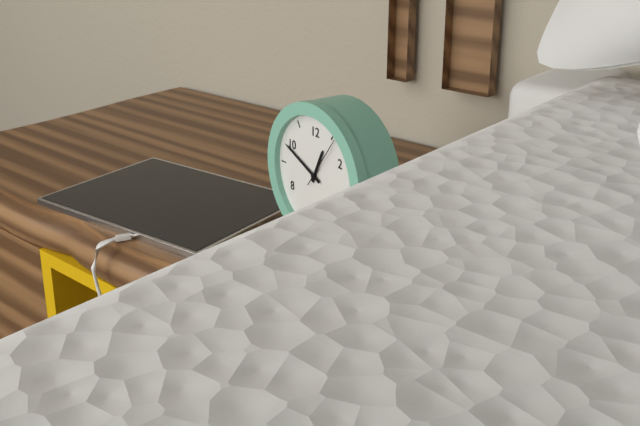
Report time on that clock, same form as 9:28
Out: 12:49
